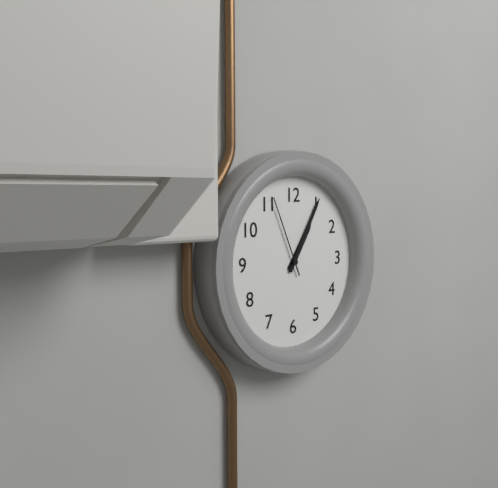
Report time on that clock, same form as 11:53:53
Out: 1:05:56
